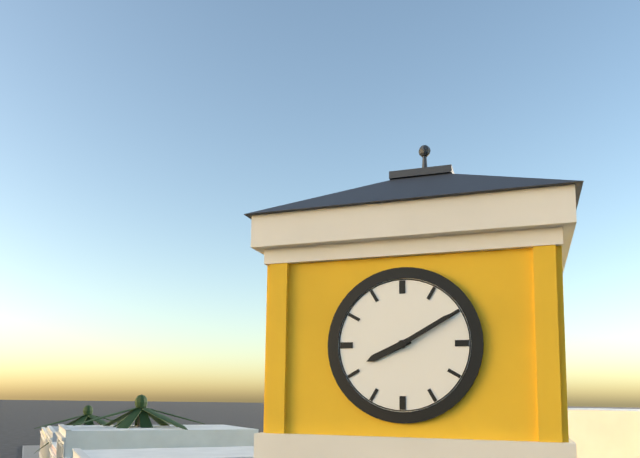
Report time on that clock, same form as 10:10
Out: 8:10
